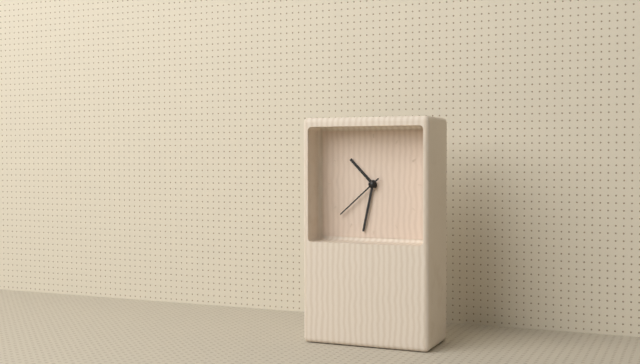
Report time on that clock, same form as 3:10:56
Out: 10:32:38
